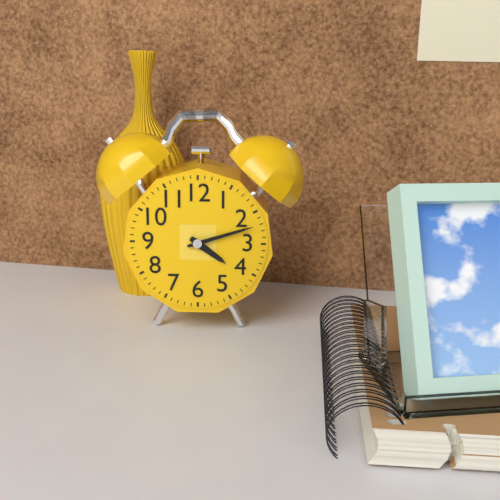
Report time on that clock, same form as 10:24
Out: 4:12
